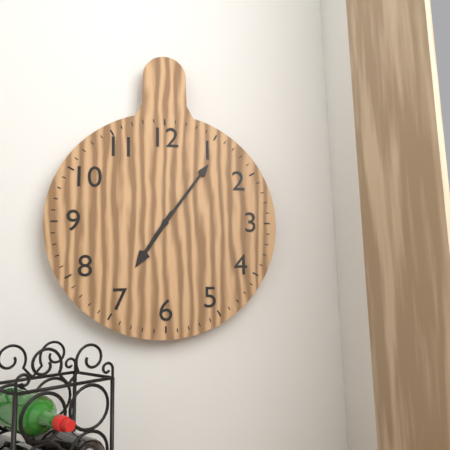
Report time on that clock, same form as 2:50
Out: 7:06
